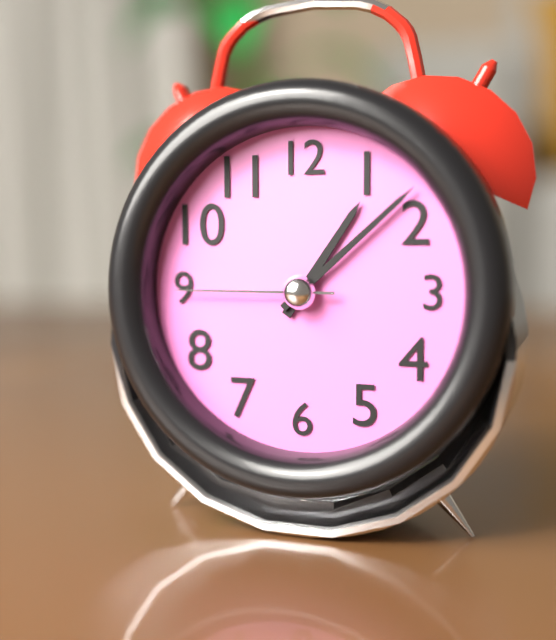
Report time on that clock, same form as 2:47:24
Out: 1:08:45
